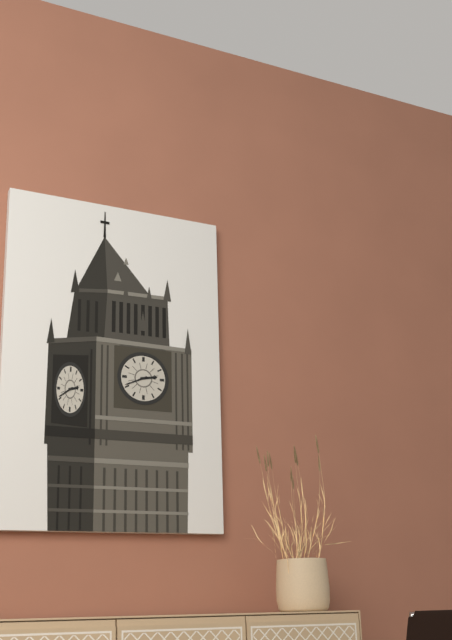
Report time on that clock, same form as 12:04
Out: 2:41
